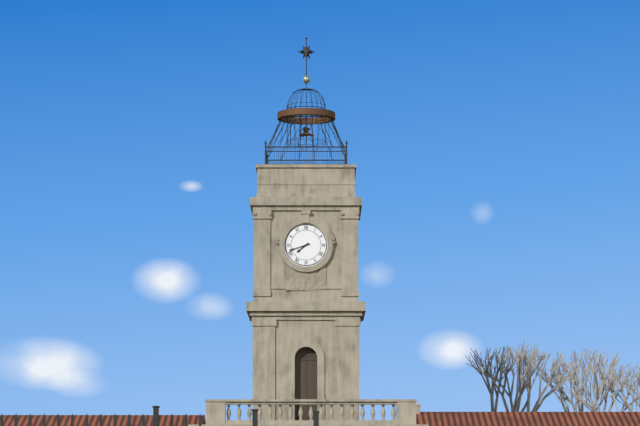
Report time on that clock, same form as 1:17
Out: 7:42
